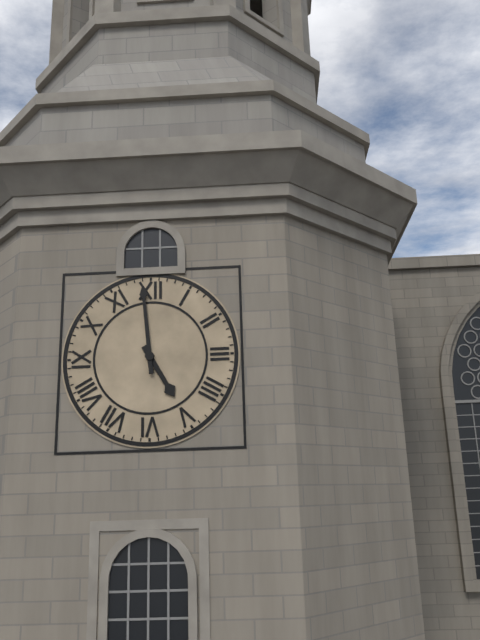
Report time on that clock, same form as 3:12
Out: 4:59
